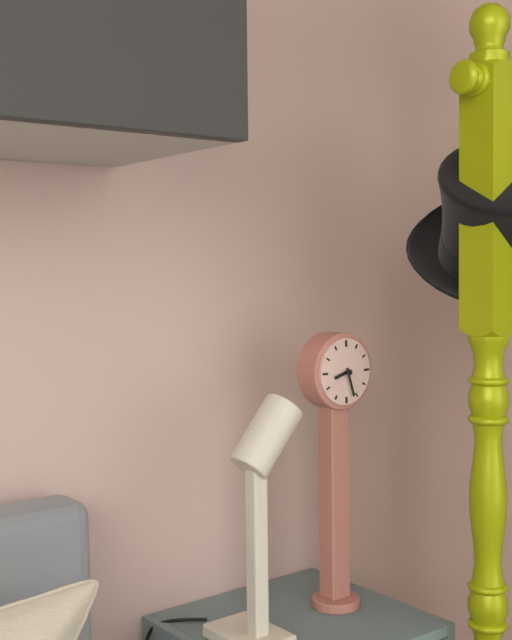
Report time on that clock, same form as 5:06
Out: 8:27
